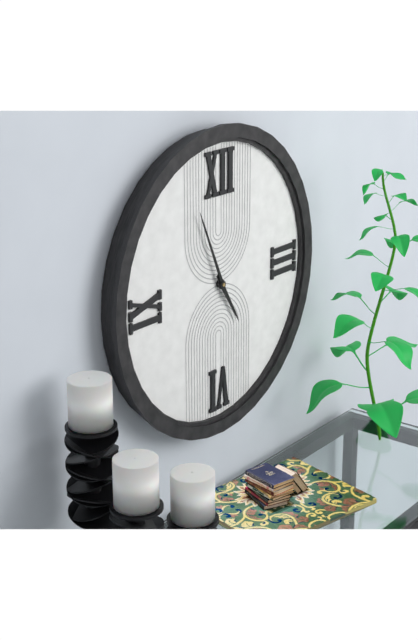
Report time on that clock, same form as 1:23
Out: 4:56
